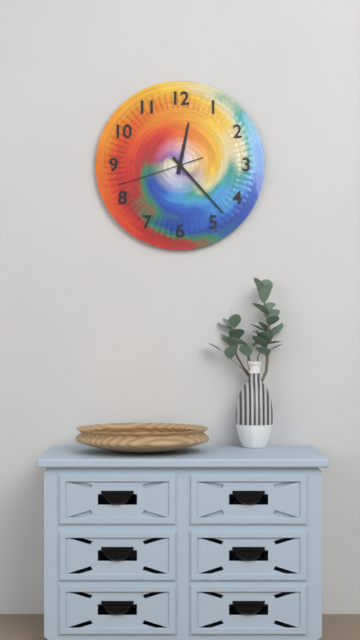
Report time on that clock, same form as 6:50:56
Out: 12:23:42
